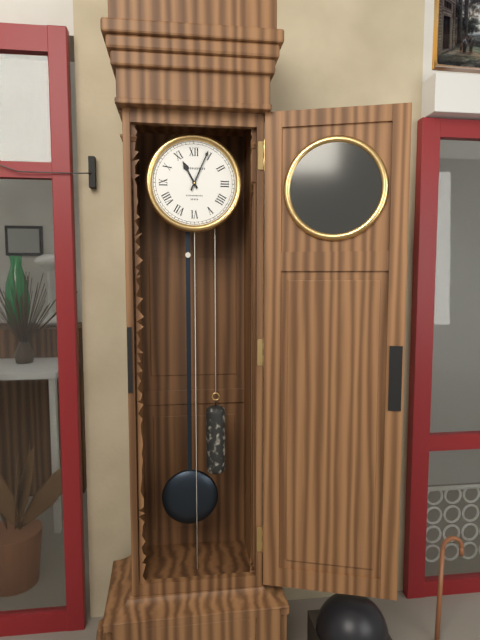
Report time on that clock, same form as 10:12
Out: 11:04
